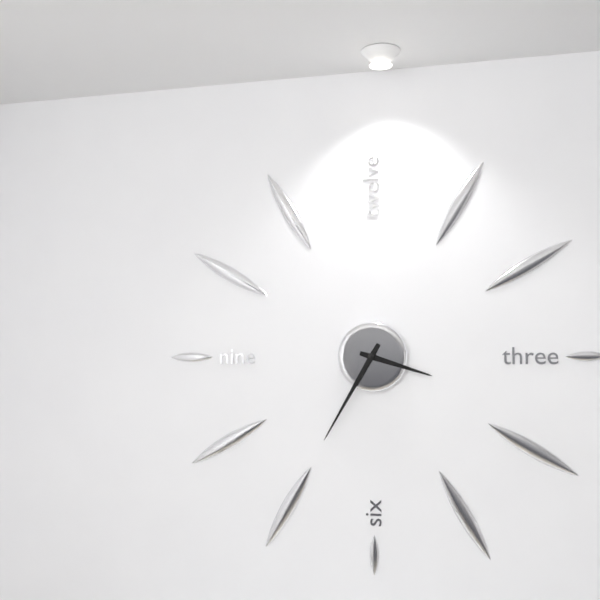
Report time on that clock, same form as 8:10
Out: 3:35
